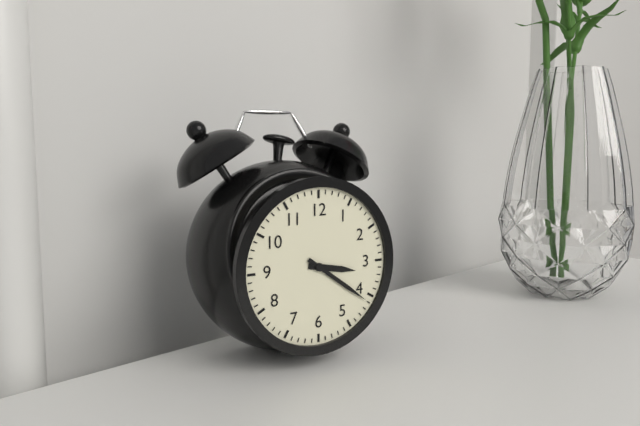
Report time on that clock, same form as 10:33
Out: 3:21
